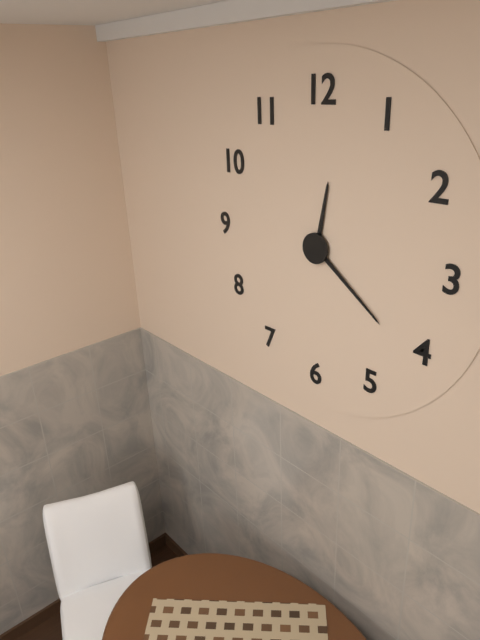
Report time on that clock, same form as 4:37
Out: 12:21
